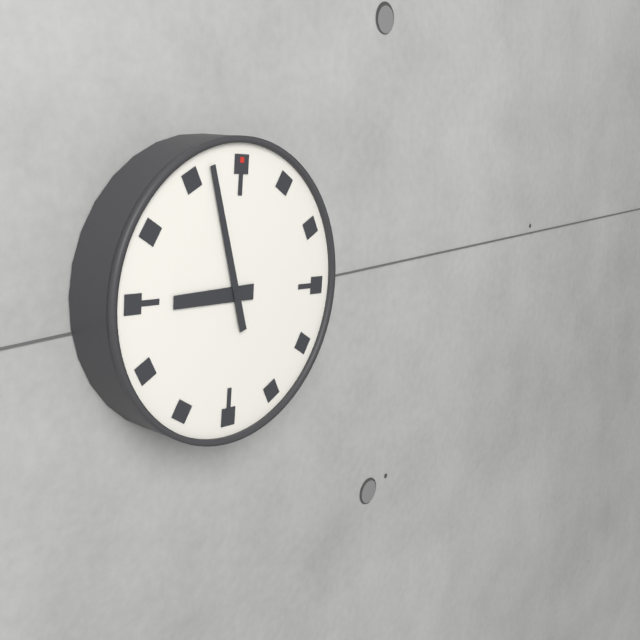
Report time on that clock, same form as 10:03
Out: 8:57
